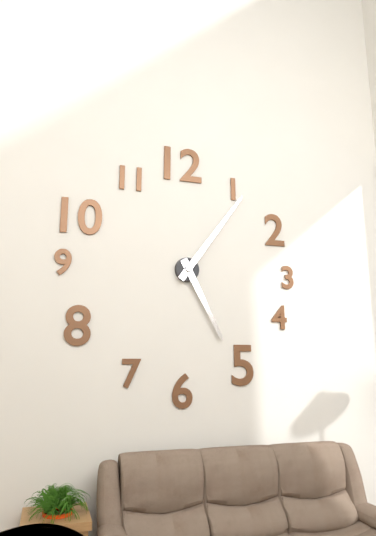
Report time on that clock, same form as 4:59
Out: 5:06
